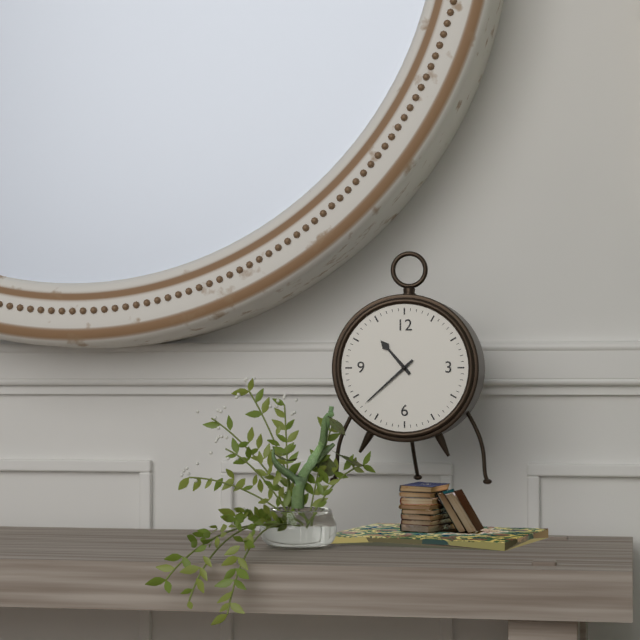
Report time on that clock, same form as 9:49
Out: 10:38
